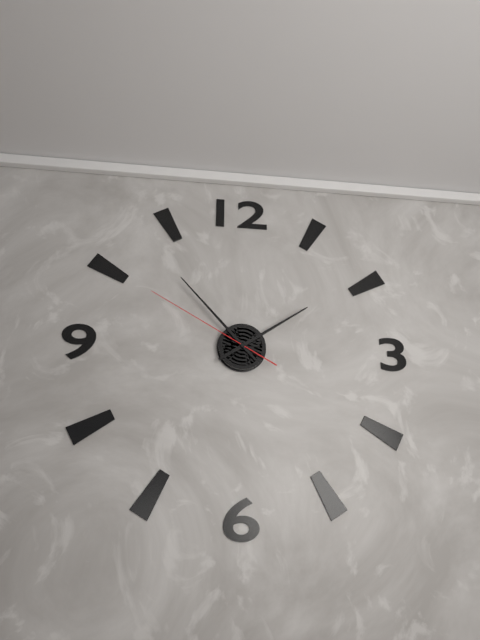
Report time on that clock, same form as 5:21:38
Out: 1:53:50
